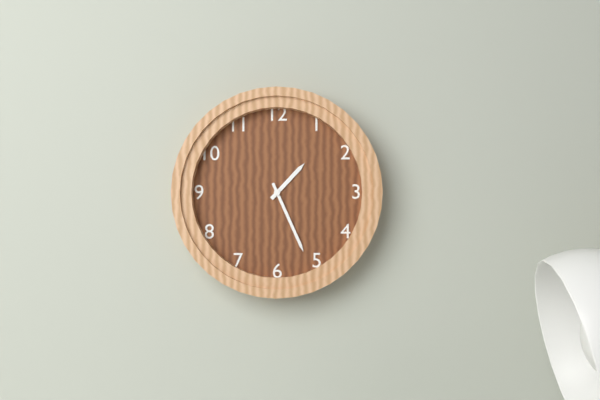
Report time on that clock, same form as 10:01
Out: 1:26
